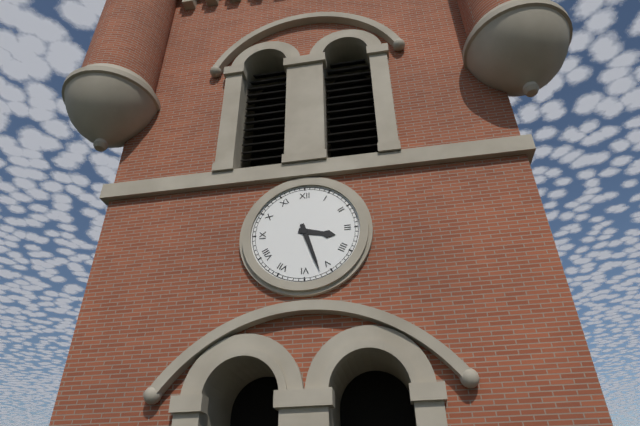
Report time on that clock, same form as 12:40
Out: 3:27
